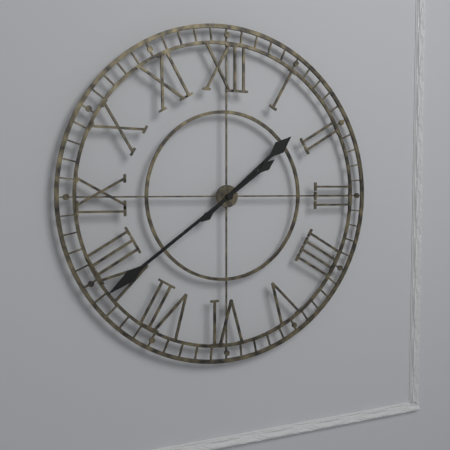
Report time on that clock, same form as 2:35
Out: 1:39
